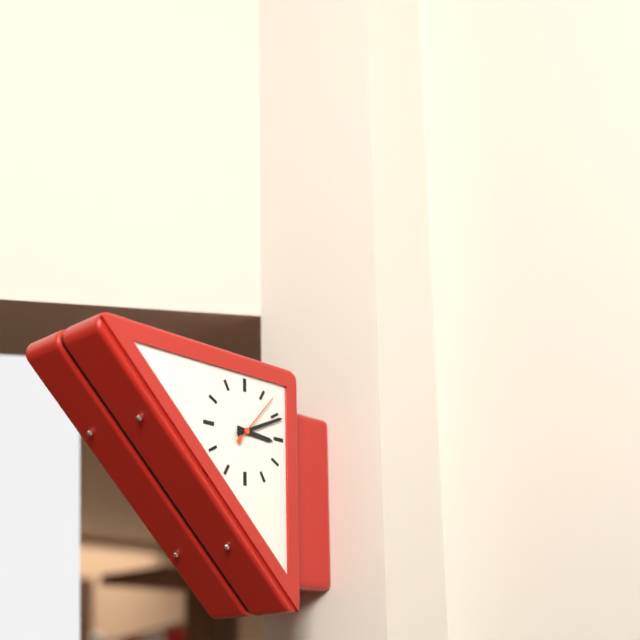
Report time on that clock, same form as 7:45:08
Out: 3:11:07
